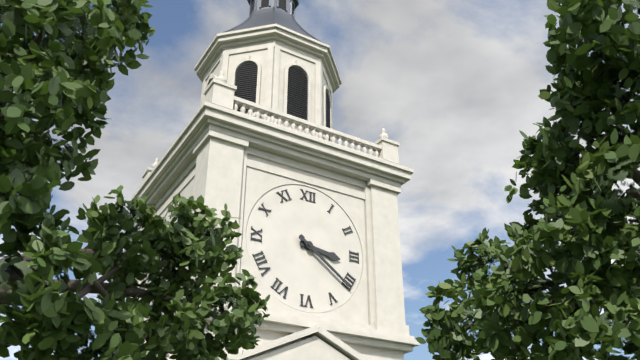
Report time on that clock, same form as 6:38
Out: 3:21
